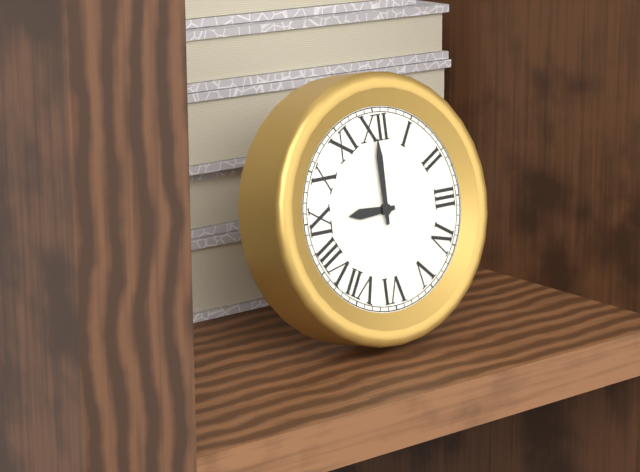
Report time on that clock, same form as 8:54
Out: 9:00
